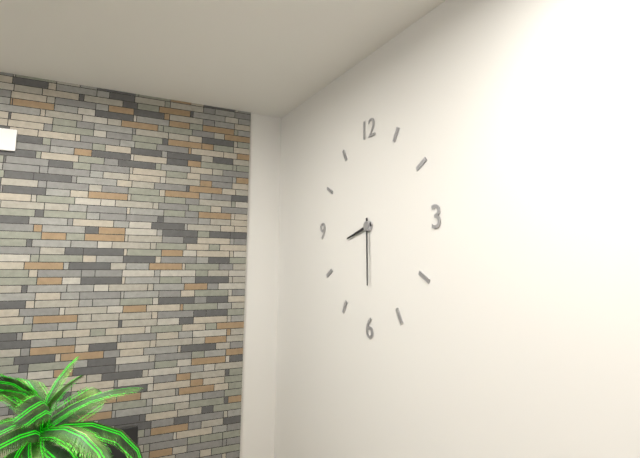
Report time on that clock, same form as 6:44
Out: 8:30
